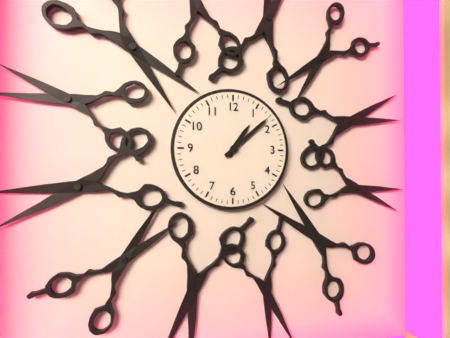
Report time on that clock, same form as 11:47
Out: 1:08
